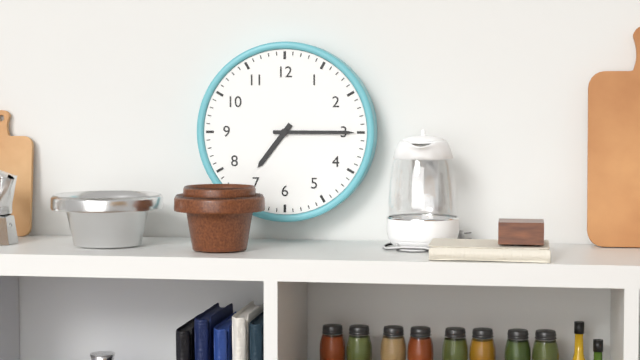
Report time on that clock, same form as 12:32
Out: 7:15
